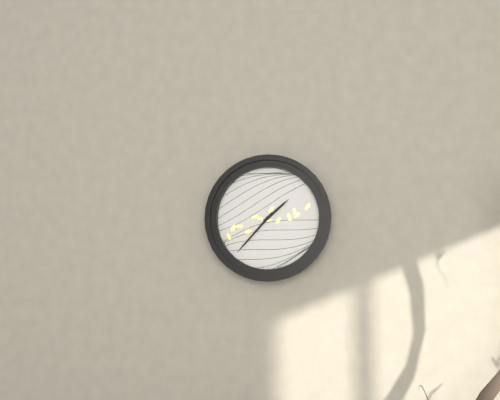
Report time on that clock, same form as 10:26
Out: 1:37
